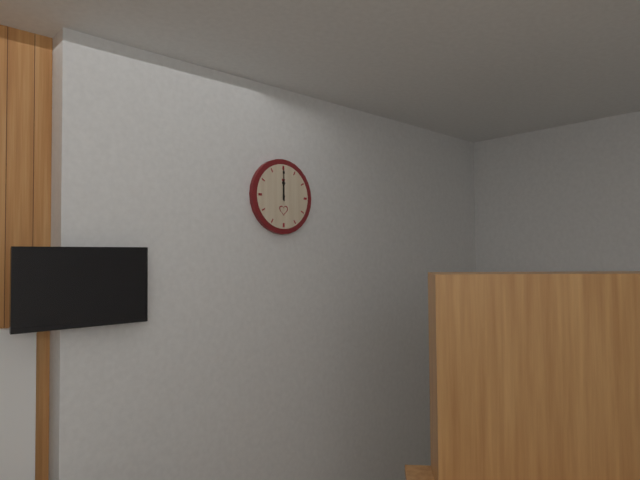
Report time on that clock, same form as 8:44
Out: 12:00
